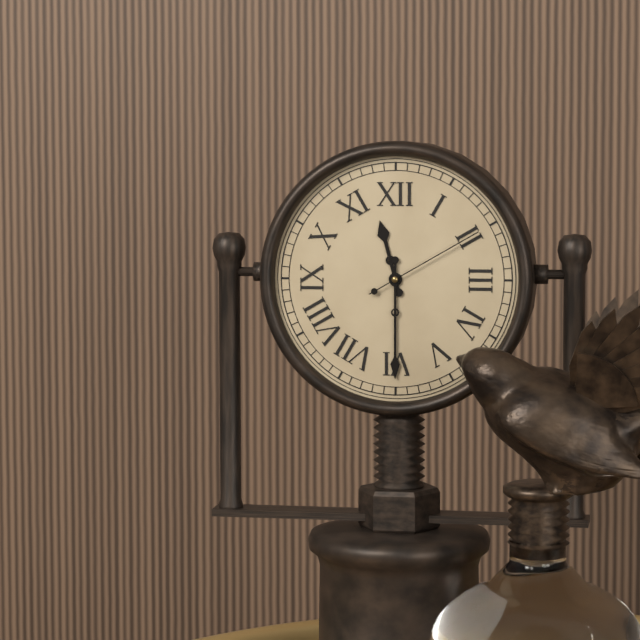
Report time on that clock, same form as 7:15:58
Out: 11:30:10
